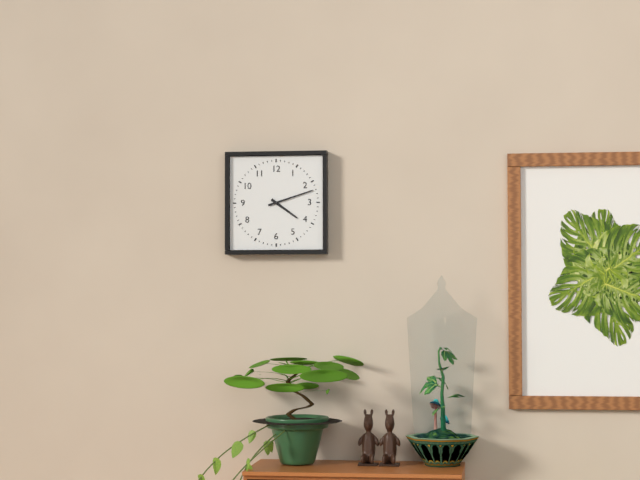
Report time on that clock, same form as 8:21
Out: 4:12
